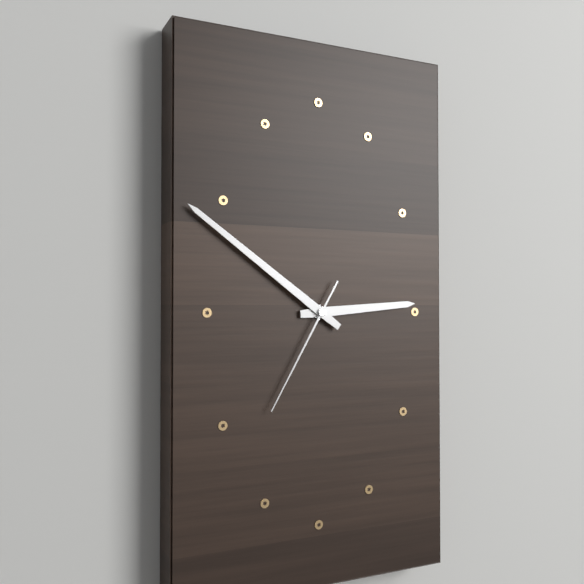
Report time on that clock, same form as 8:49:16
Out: 2:51:35
